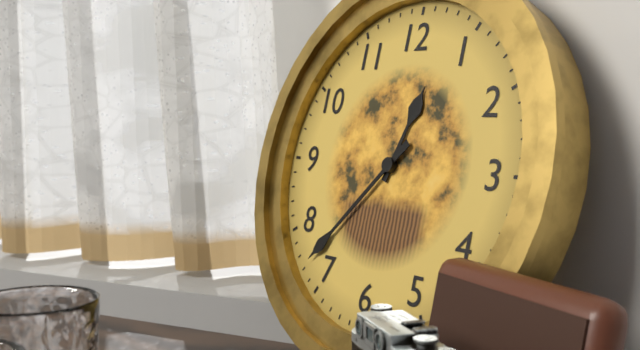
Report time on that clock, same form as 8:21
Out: 12:37
